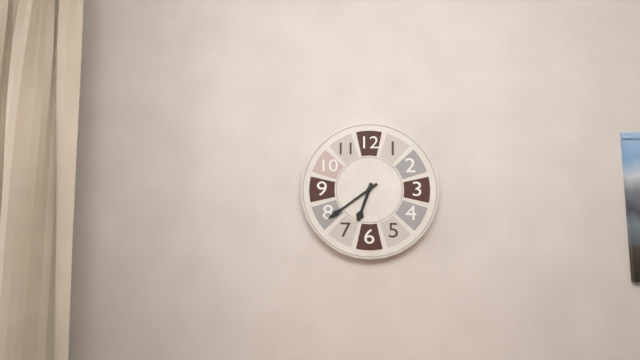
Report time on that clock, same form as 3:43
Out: 6:39
